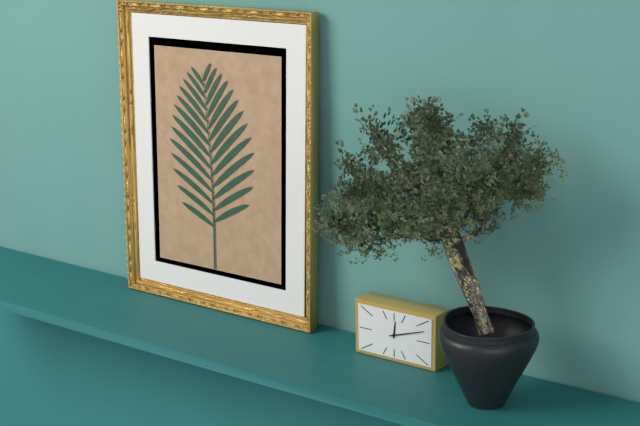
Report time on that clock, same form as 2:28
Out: 12:12
